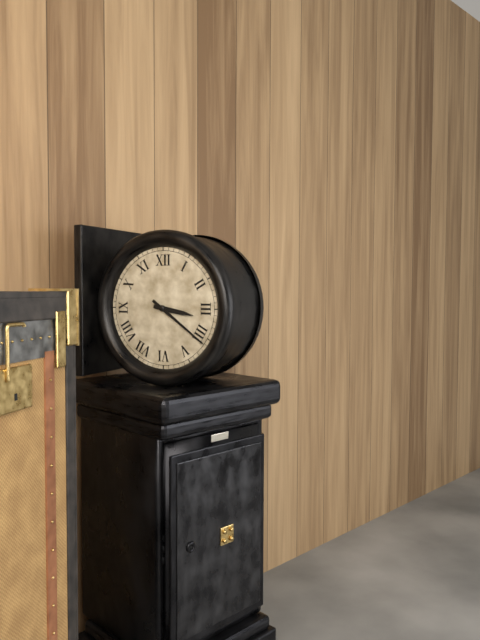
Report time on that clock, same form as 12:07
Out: 3:21
